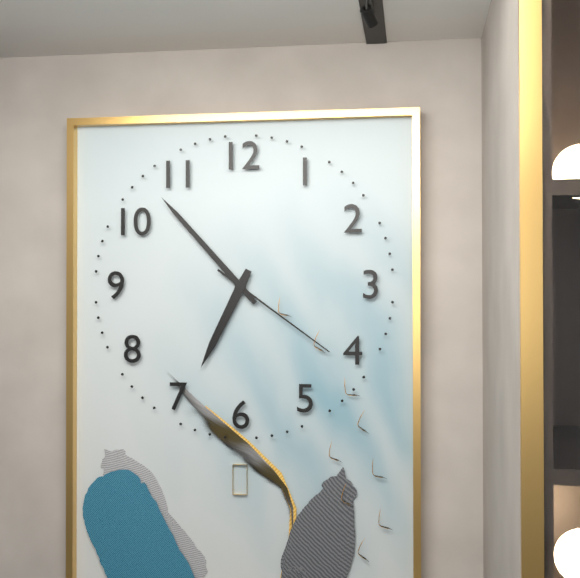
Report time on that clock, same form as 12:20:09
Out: 6:53:21
